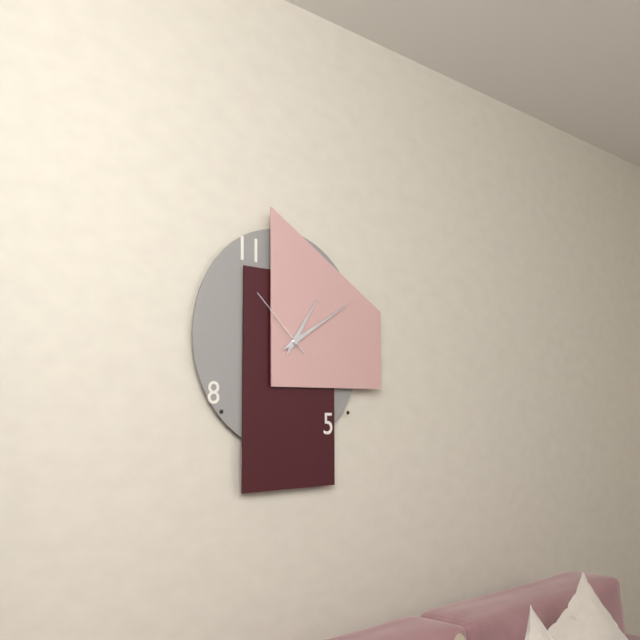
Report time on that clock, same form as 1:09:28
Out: 1:10:52
